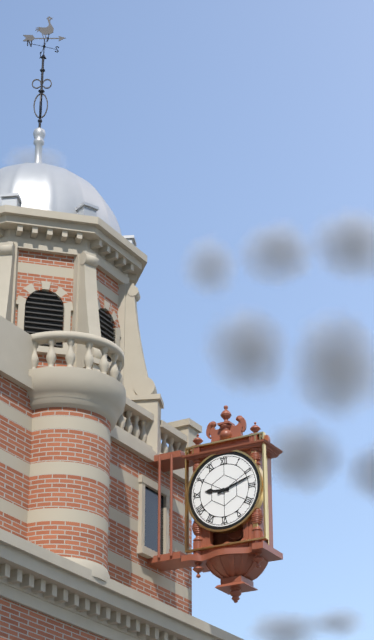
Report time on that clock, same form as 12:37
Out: 9:12
